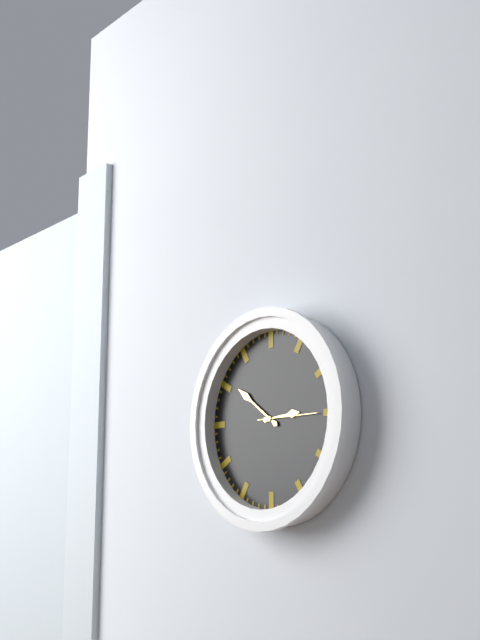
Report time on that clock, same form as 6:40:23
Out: 2:51:15
